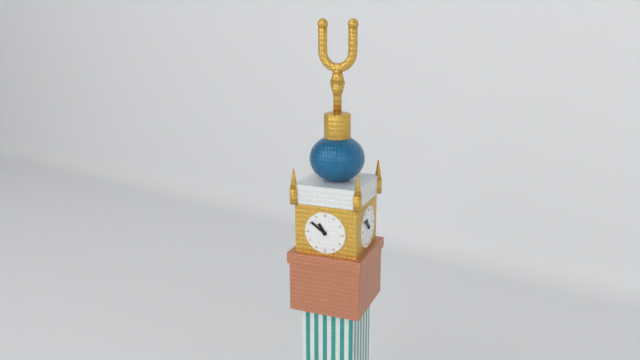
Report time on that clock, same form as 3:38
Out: 10:51
